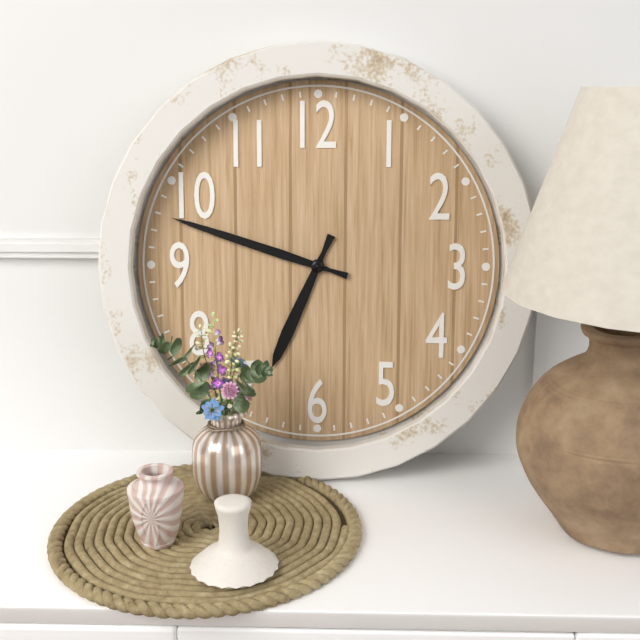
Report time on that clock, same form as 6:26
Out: 6:48
